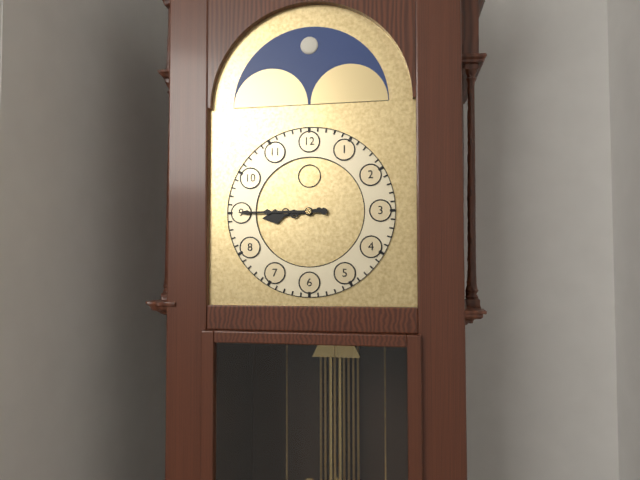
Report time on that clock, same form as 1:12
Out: 8:45
